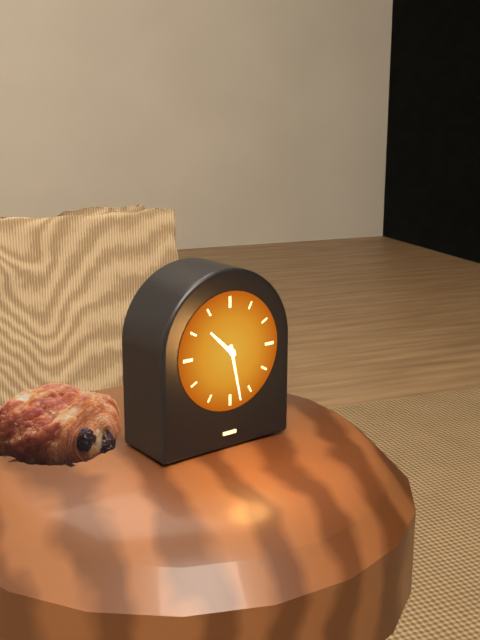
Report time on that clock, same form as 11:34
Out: 10:28
